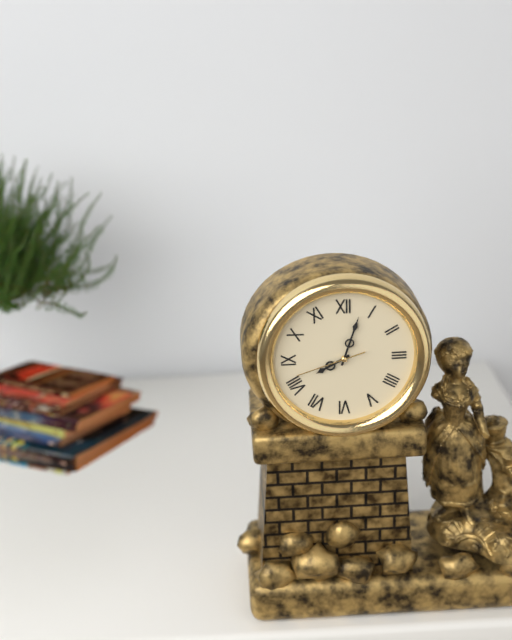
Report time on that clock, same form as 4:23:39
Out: 8:03:42
